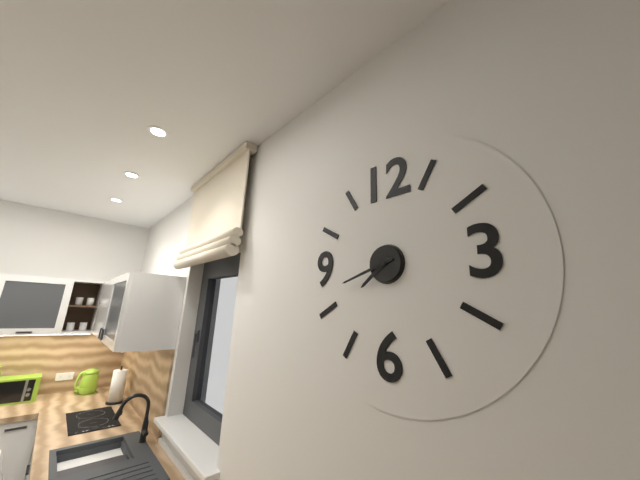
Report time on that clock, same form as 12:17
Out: 7:42
